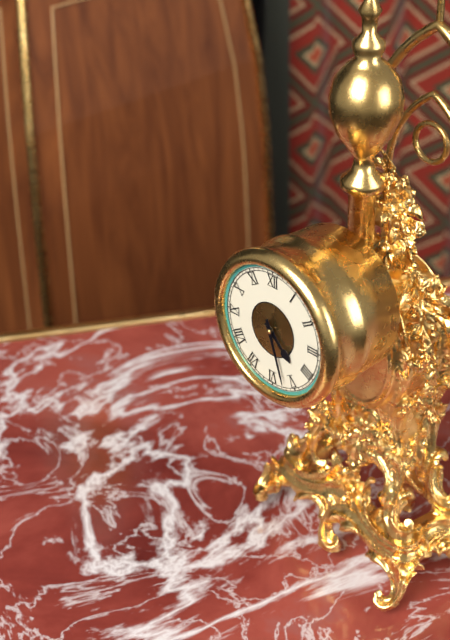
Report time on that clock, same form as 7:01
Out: 4:27
